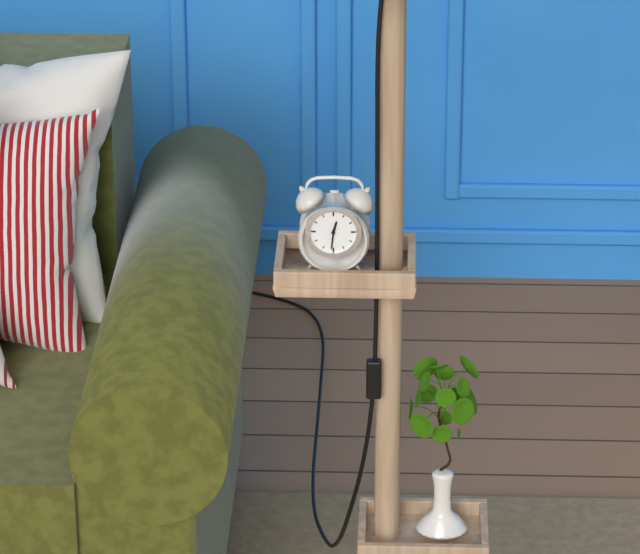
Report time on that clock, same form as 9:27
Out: 12:31
